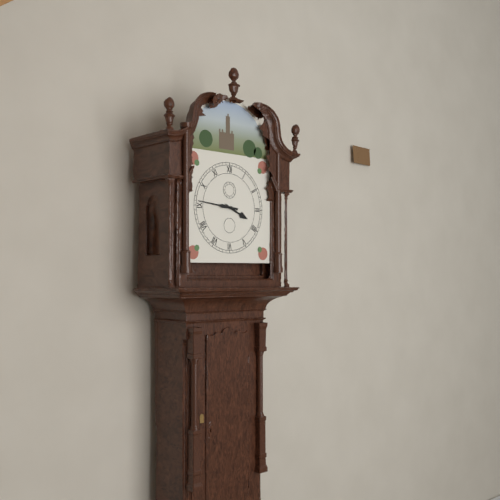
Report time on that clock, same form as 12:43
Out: 3:46
